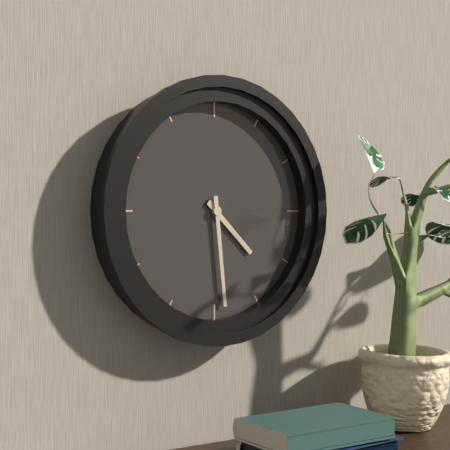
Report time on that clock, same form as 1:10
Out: 4:29
